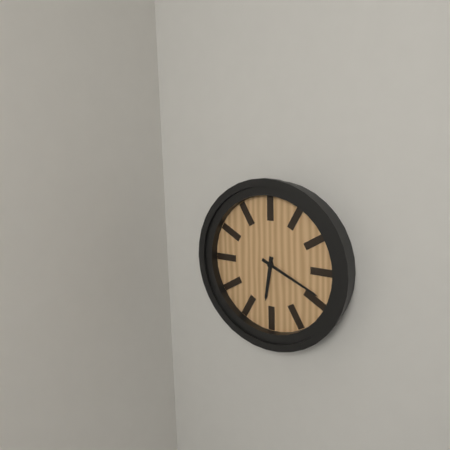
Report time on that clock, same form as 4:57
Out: 6:19
